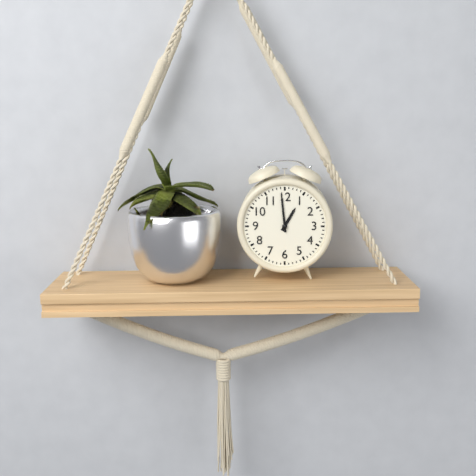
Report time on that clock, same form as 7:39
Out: 12:59
